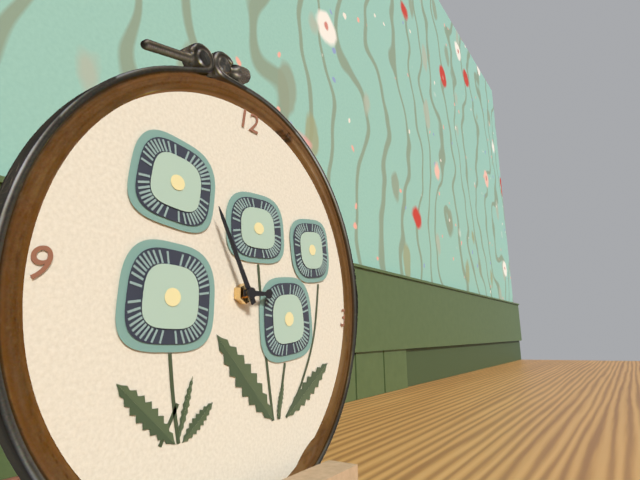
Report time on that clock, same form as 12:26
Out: 2:55
